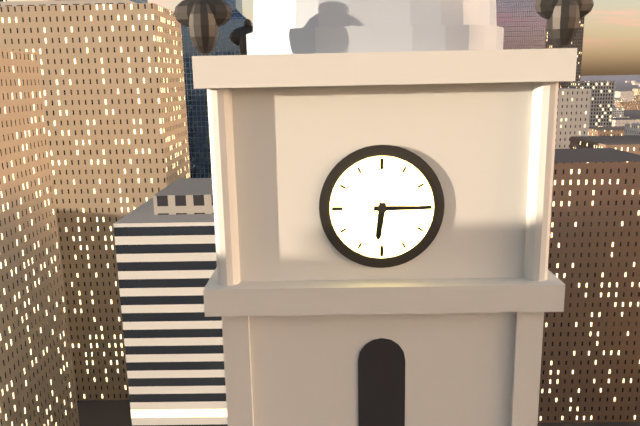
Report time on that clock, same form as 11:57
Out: 6:15
